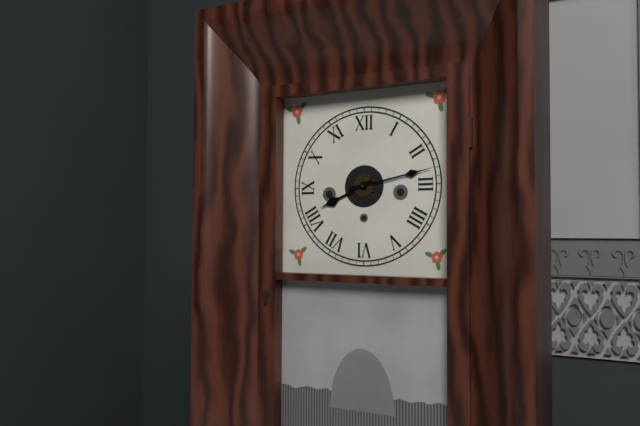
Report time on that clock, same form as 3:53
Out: 8:13
